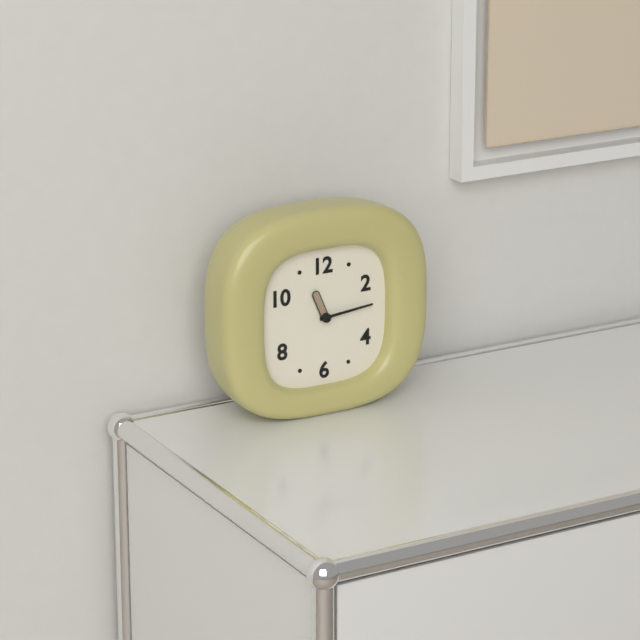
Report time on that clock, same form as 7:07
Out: 11:14
